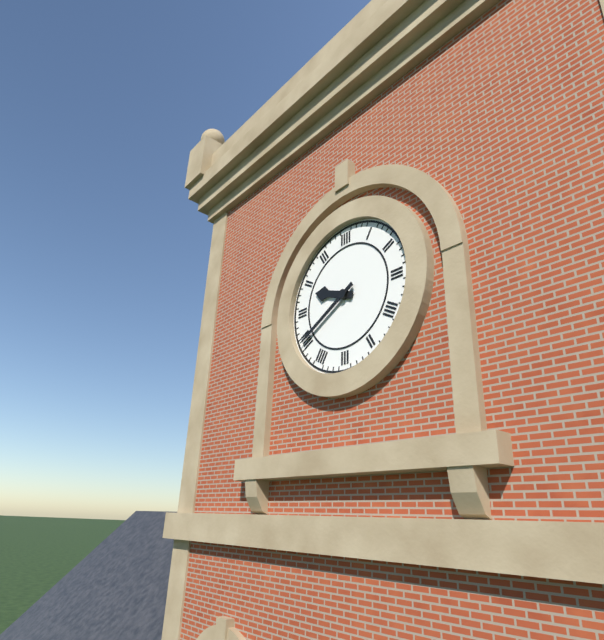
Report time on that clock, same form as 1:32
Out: 9:40
